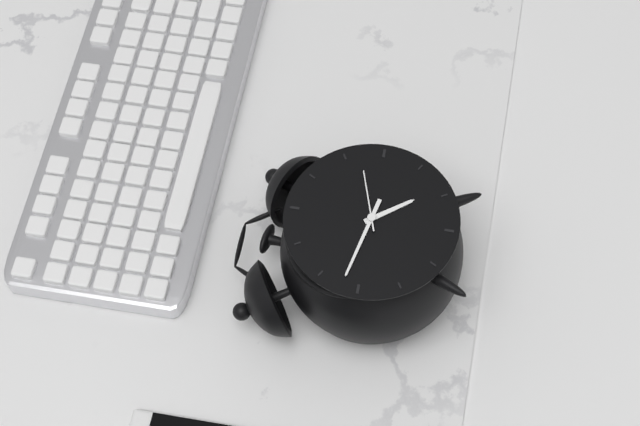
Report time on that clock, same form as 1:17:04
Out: 4:47:12
